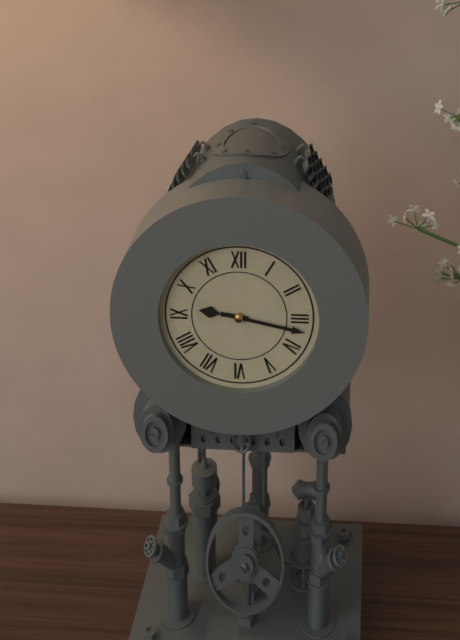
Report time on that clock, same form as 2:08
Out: 9:17
